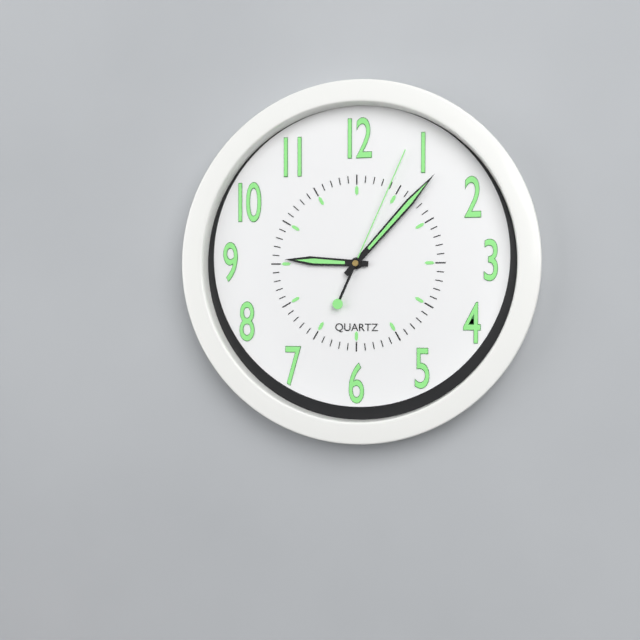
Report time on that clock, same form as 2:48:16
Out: 9:07:04
